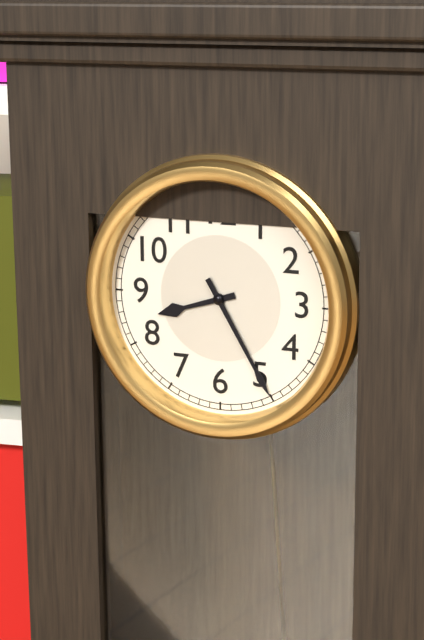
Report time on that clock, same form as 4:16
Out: 8:25
